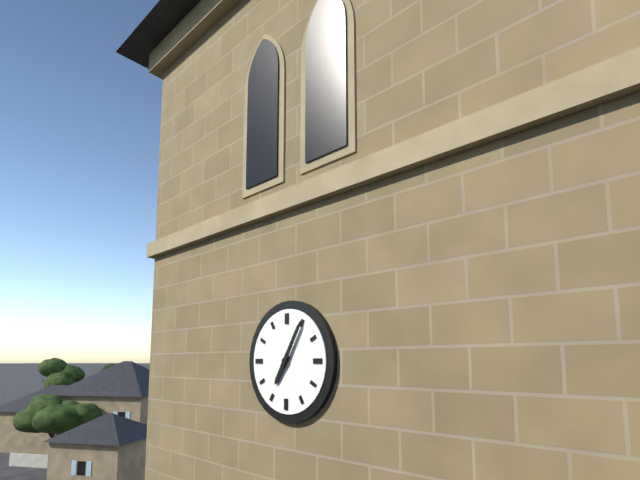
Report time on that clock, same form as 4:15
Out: 7:05
